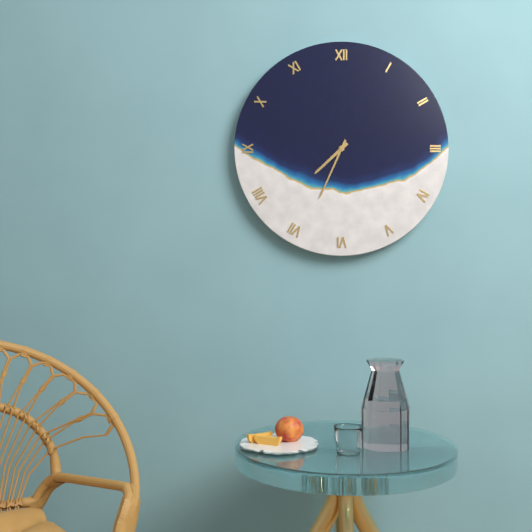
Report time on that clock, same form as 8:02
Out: 7:34
